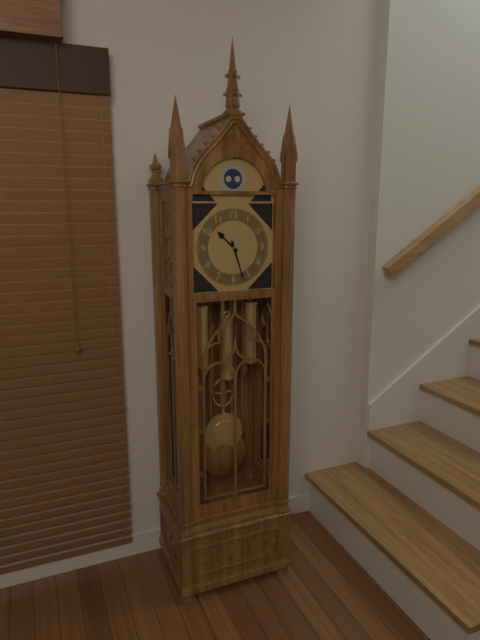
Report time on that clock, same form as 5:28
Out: 10:27
